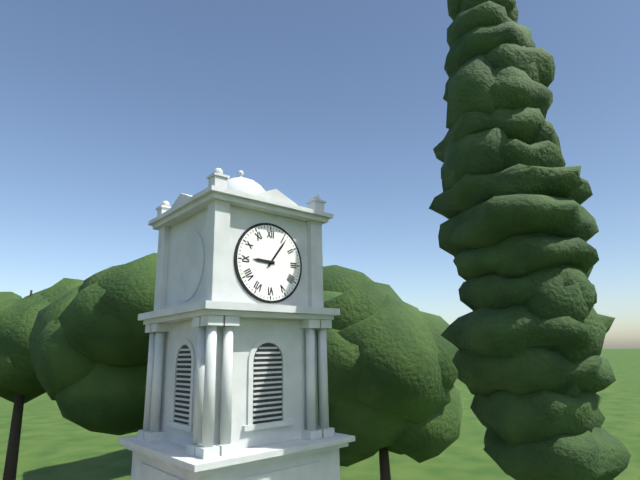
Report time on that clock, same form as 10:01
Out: 9:06
